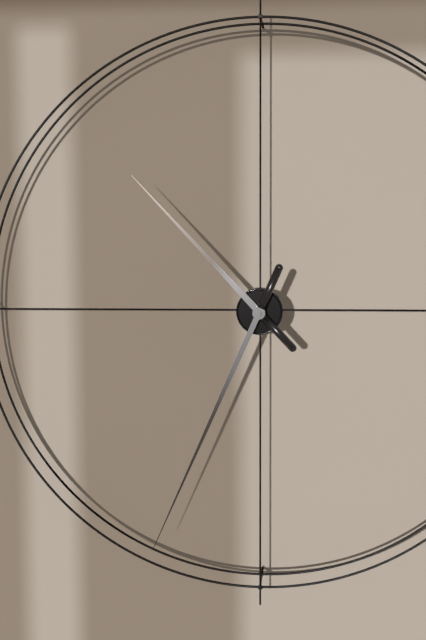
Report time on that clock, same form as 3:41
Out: 10:34
